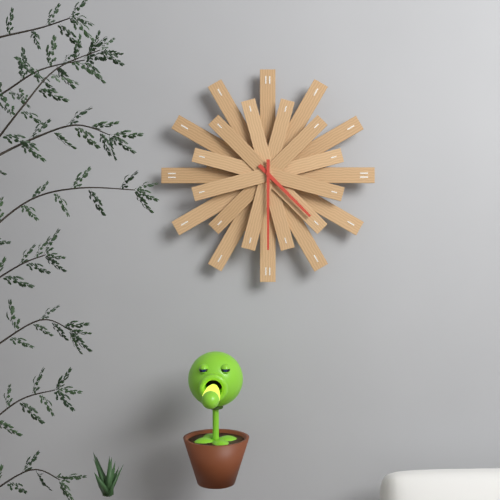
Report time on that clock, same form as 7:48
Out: 4:30
